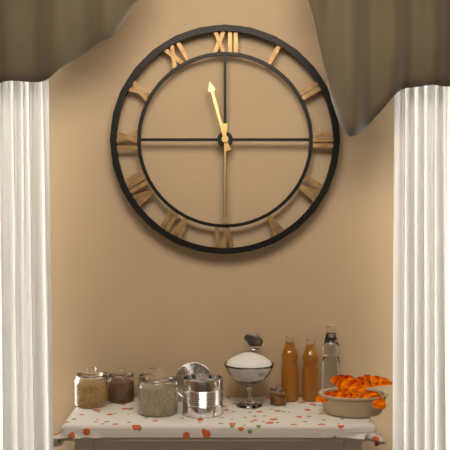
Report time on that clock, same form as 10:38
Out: 11:30
